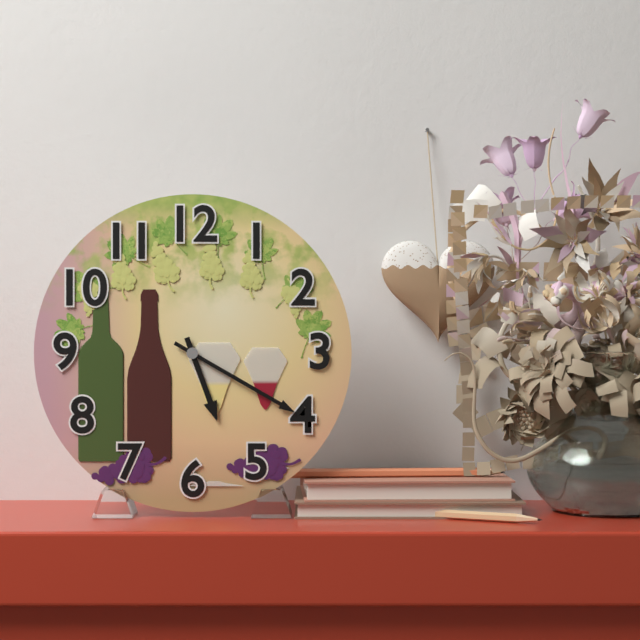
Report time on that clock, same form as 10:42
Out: 5:20
